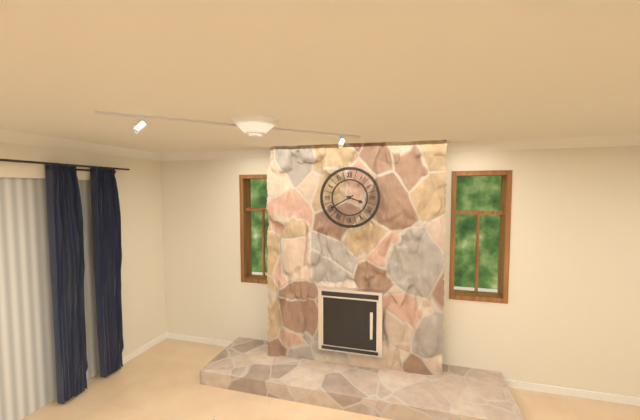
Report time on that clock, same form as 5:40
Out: 3:40
